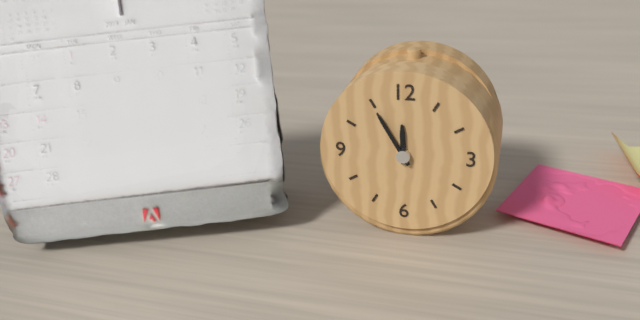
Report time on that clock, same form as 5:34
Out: 11:55
